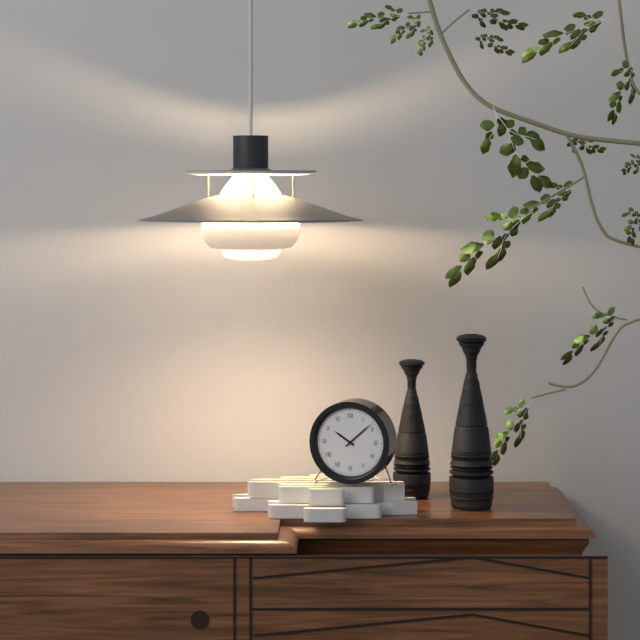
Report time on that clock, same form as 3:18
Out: 10:08
